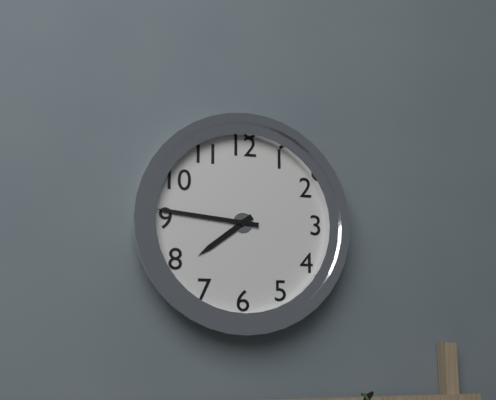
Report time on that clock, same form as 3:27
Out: 7:46
